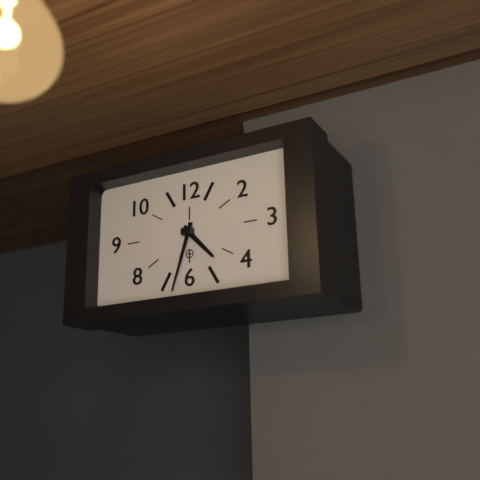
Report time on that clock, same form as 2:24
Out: 4:33
